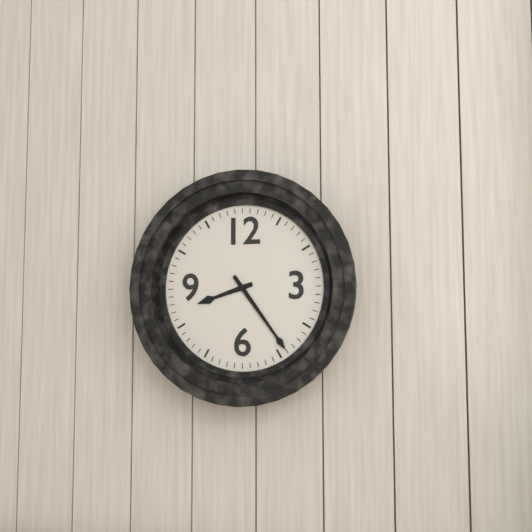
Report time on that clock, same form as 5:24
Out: 8:24
